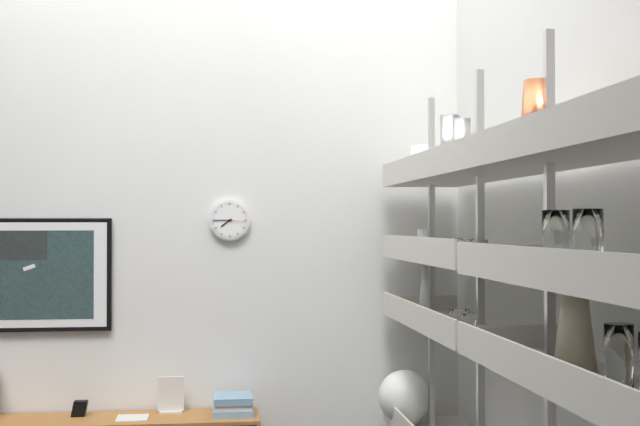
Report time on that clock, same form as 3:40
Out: 7:45
